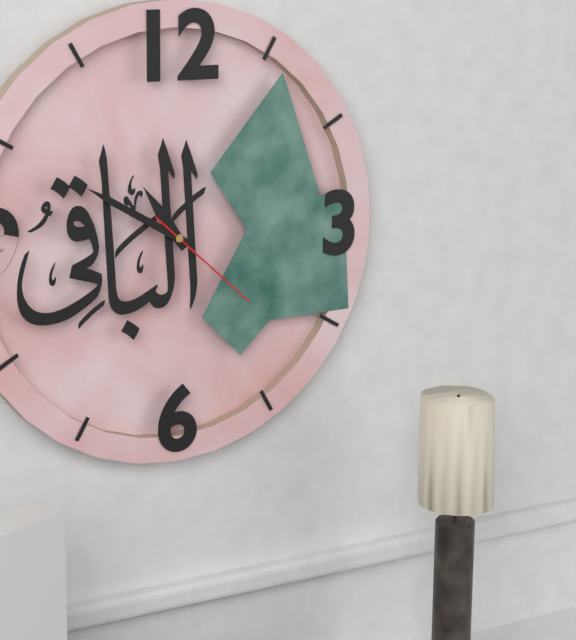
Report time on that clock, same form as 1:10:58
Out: 10:50:22
